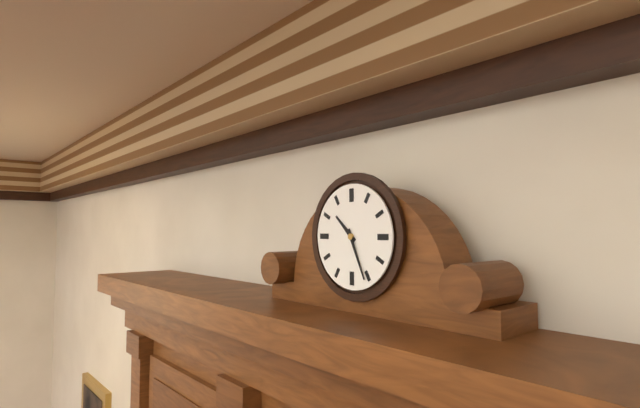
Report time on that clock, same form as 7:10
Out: 10:26
